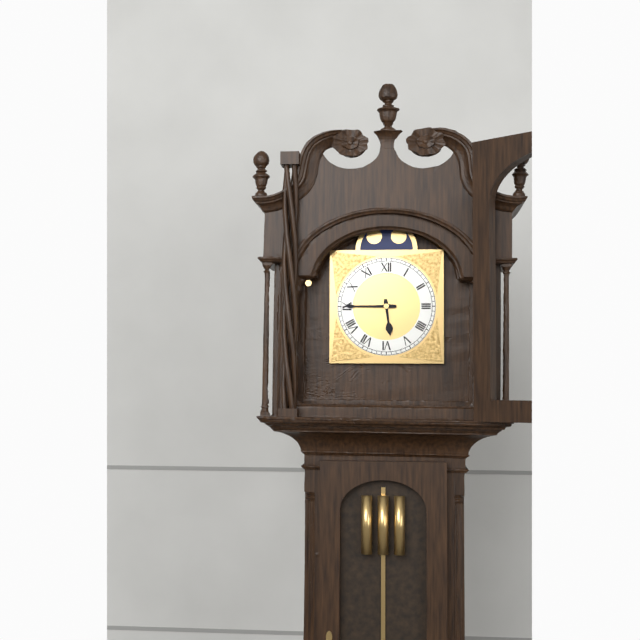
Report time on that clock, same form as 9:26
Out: 5:45
